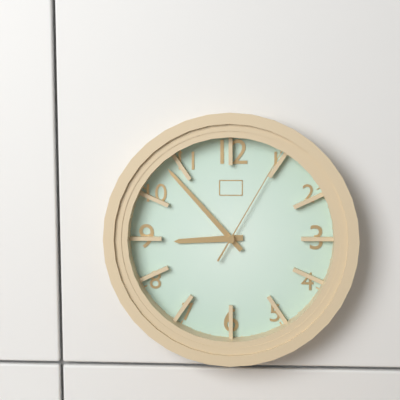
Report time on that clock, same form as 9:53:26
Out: 8:53:05
